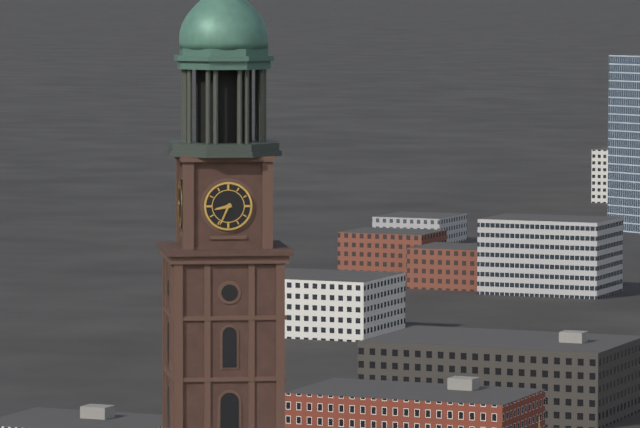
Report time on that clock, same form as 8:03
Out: 8:34
